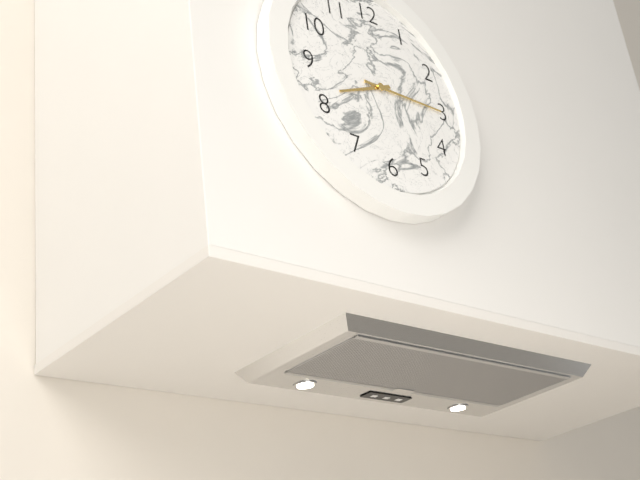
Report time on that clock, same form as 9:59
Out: 8:15
